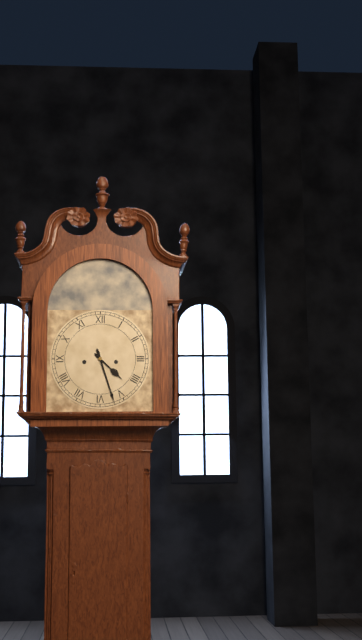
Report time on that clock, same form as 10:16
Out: 4:27
